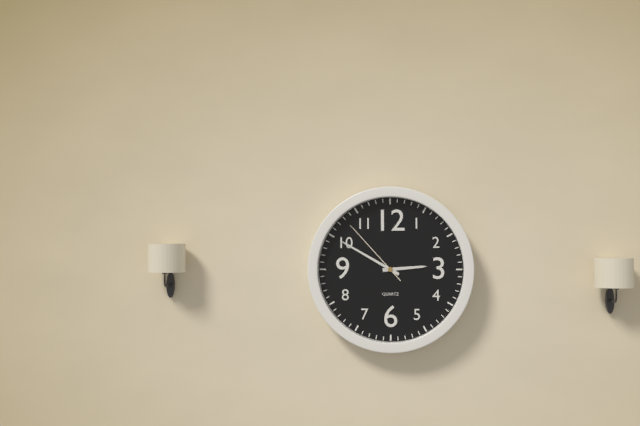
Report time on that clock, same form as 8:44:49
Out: 2:50:53
